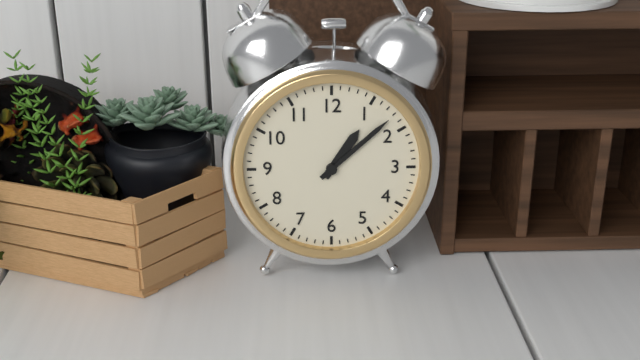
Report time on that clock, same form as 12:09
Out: 1:08
